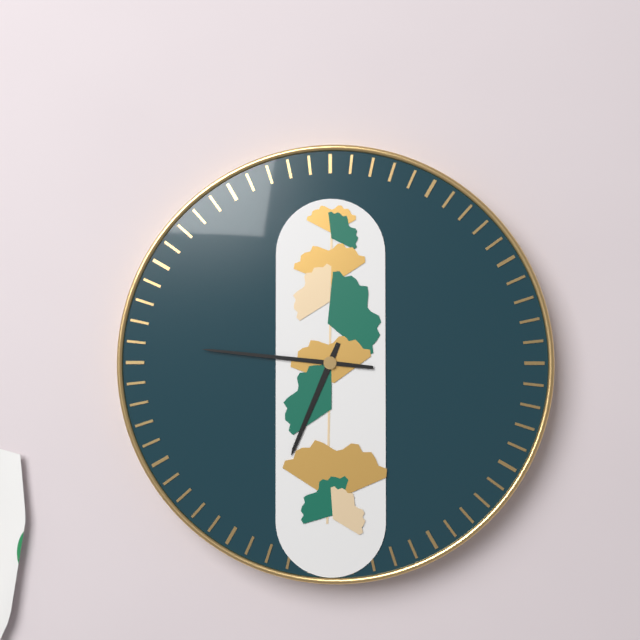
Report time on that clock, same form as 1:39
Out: 6:46
